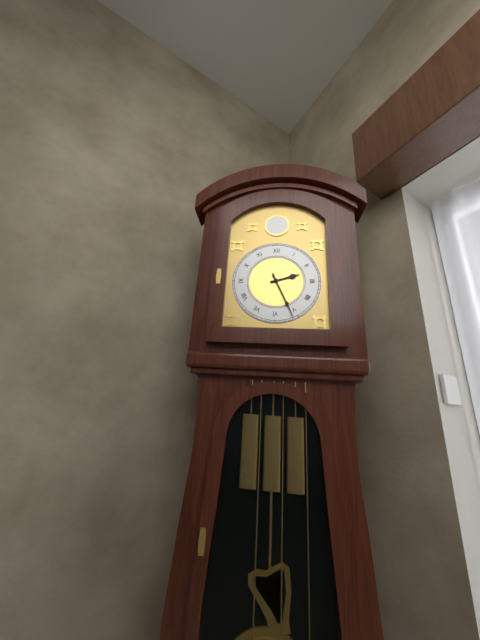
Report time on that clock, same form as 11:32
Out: 2:26
